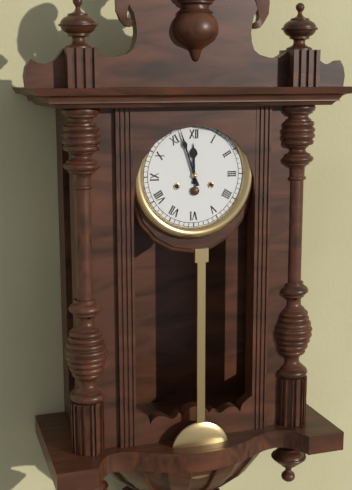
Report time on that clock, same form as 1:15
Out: 11:57
